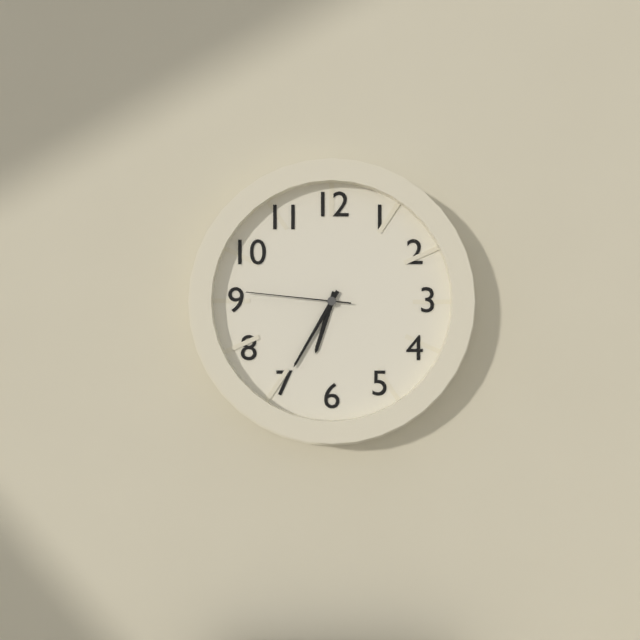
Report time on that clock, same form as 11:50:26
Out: 6:35:46
